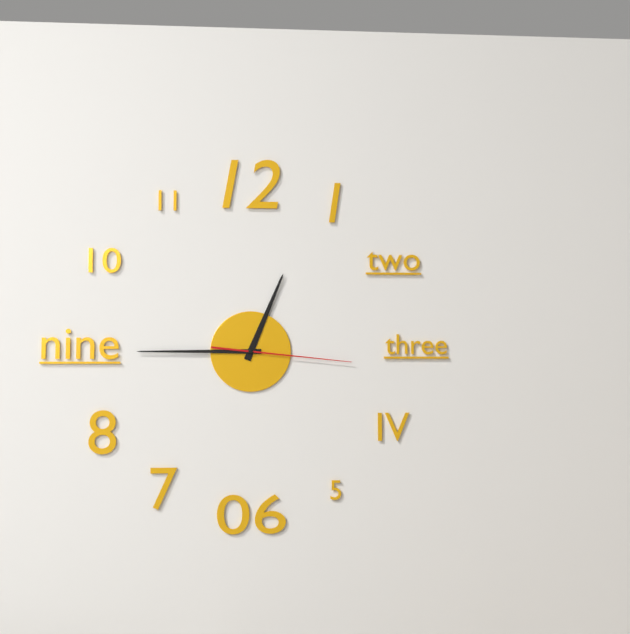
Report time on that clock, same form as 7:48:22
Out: 12:45:16
